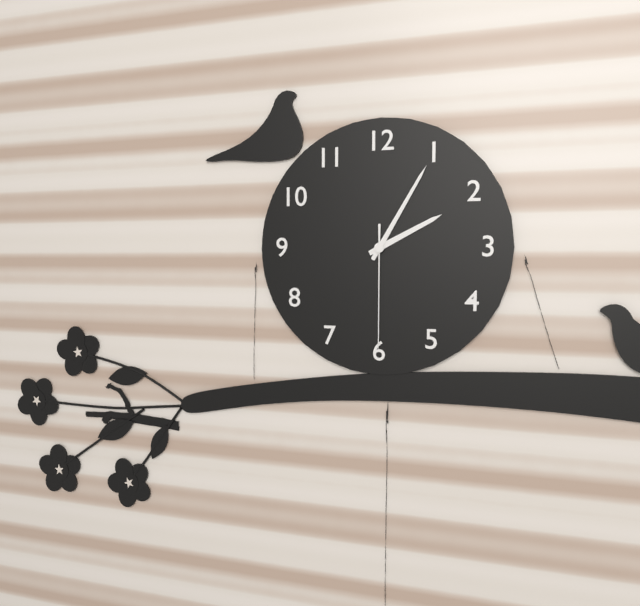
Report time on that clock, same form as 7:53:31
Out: 2:05:30
